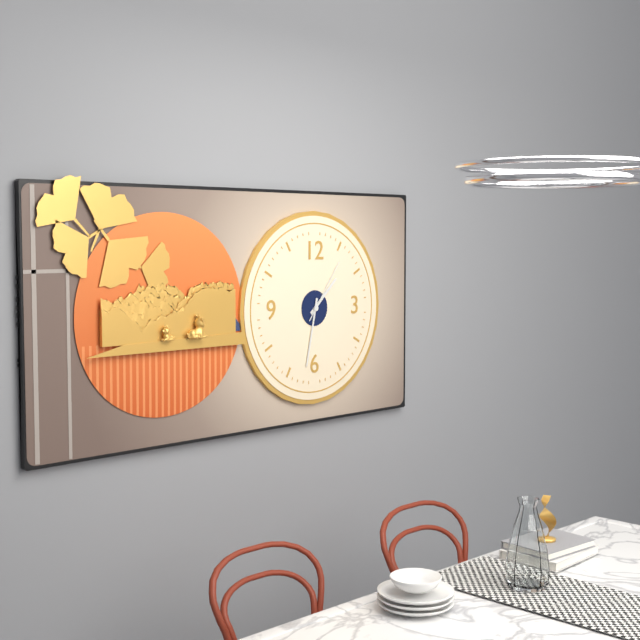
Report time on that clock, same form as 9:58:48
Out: 1:32:06
